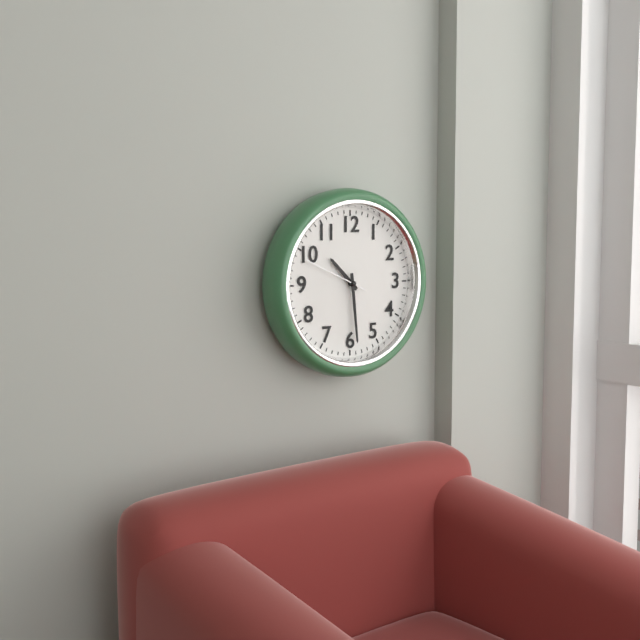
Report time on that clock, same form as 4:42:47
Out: 10:29:49
